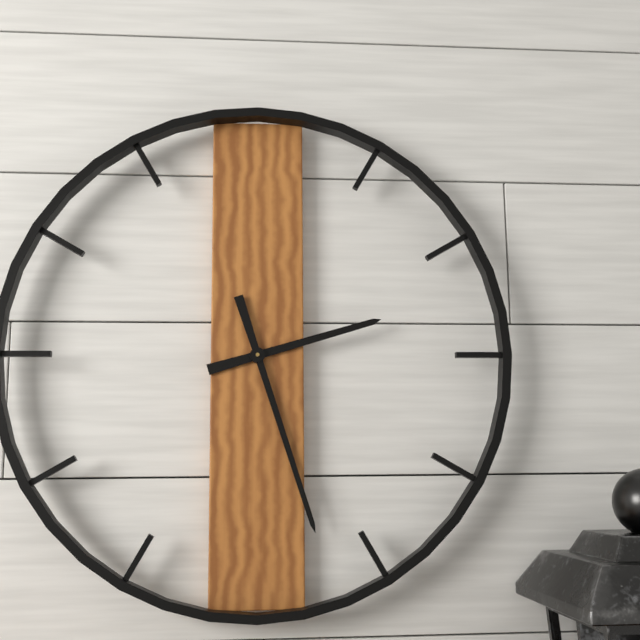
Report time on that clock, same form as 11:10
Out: 2:27
